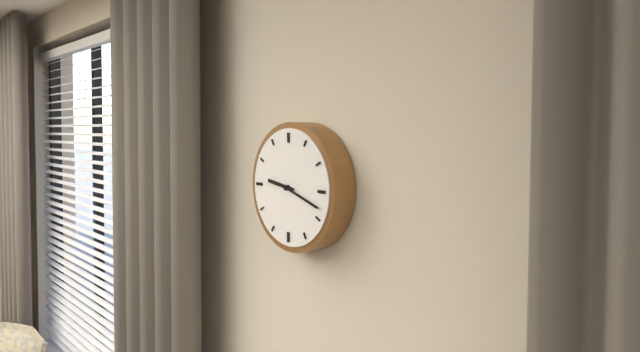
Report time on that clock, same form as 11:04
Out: 9:18
